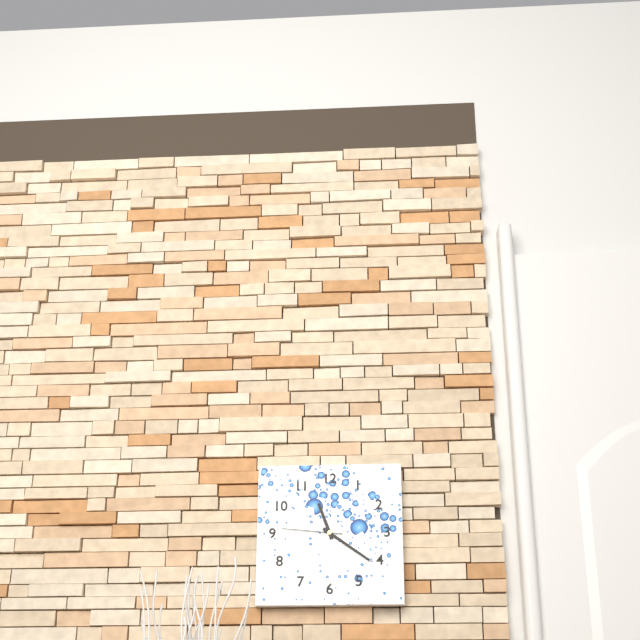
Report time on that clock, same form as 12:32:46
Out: 11:21:46
